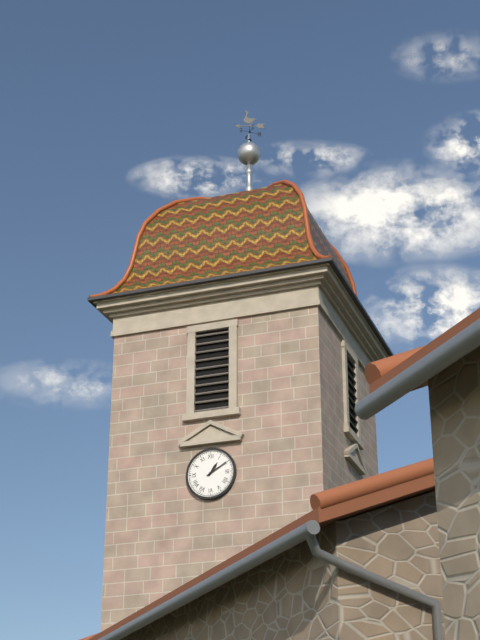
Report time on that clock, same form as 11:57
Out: 1:10
